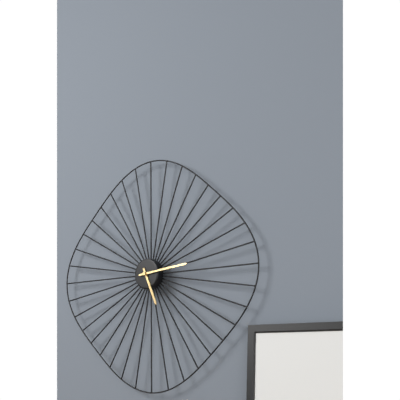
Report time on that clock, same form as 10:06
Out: 5:14
